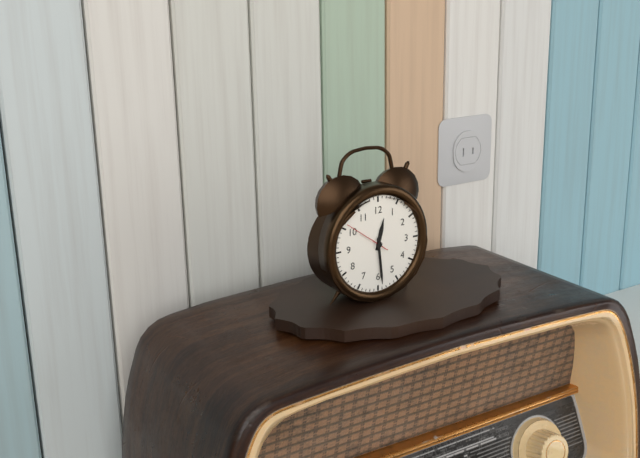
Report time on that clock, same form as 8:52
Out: 12:29
